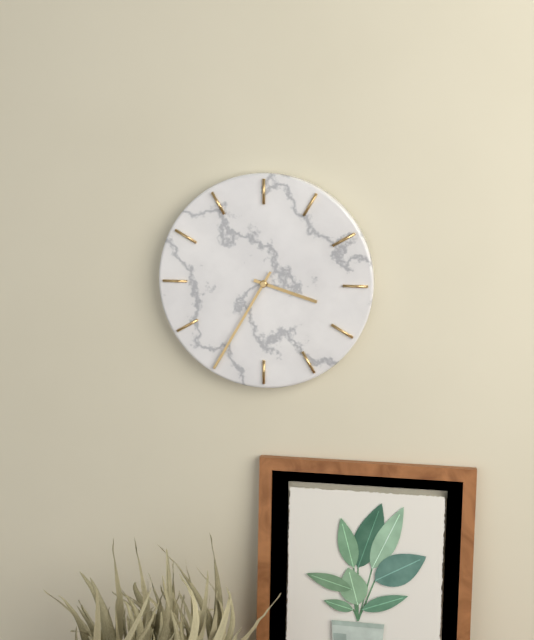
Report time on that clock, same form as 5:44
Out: 3:35
